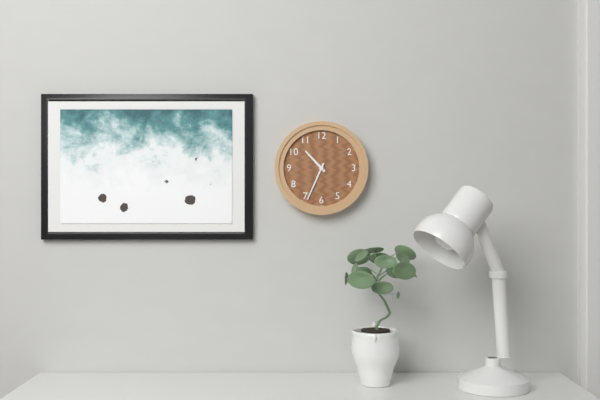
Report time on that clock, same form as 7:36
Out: 10:34
